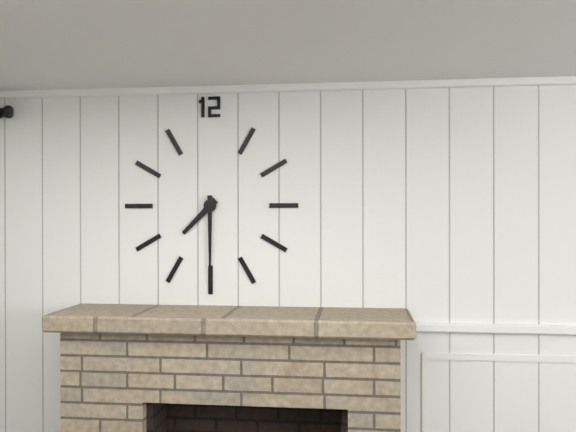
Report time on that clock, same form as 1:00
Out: 7:30
